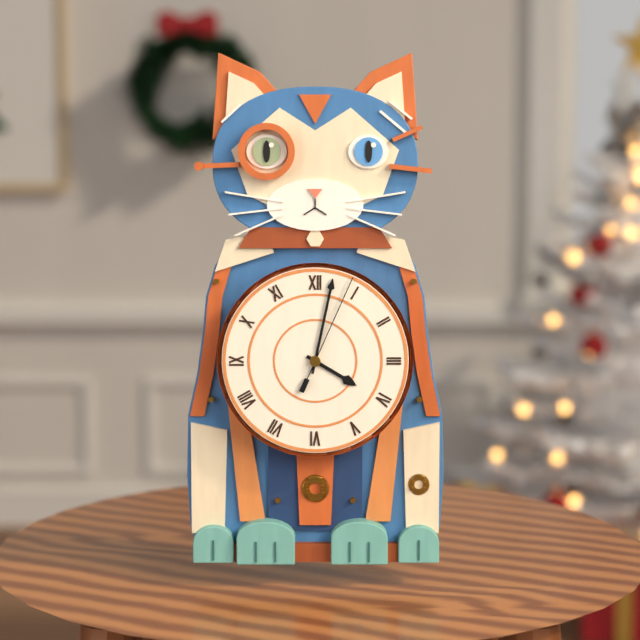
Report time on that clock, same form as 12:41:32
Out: 4:02:04
